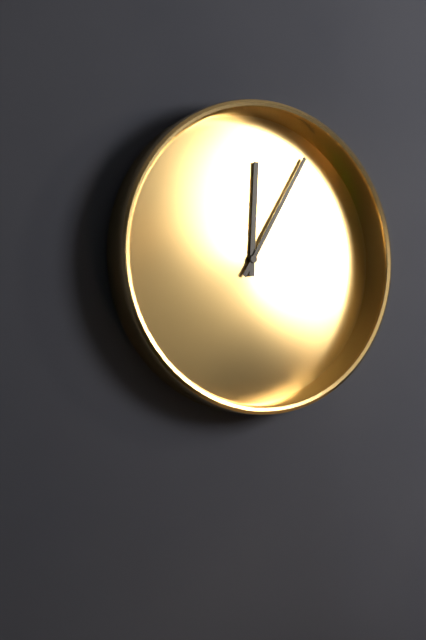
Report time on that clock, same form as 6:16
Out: 12:05
